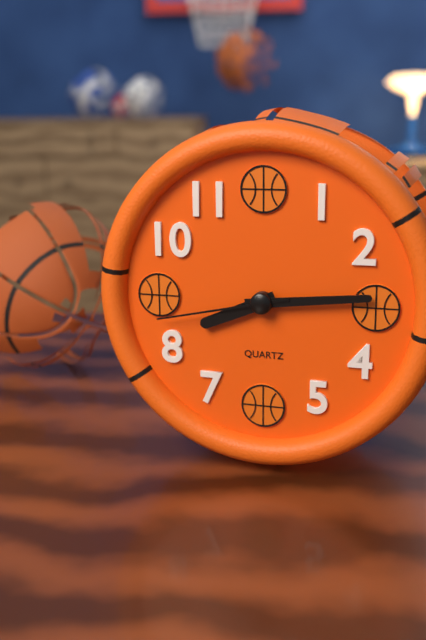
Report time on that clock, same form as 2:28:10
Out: 8:14:43
